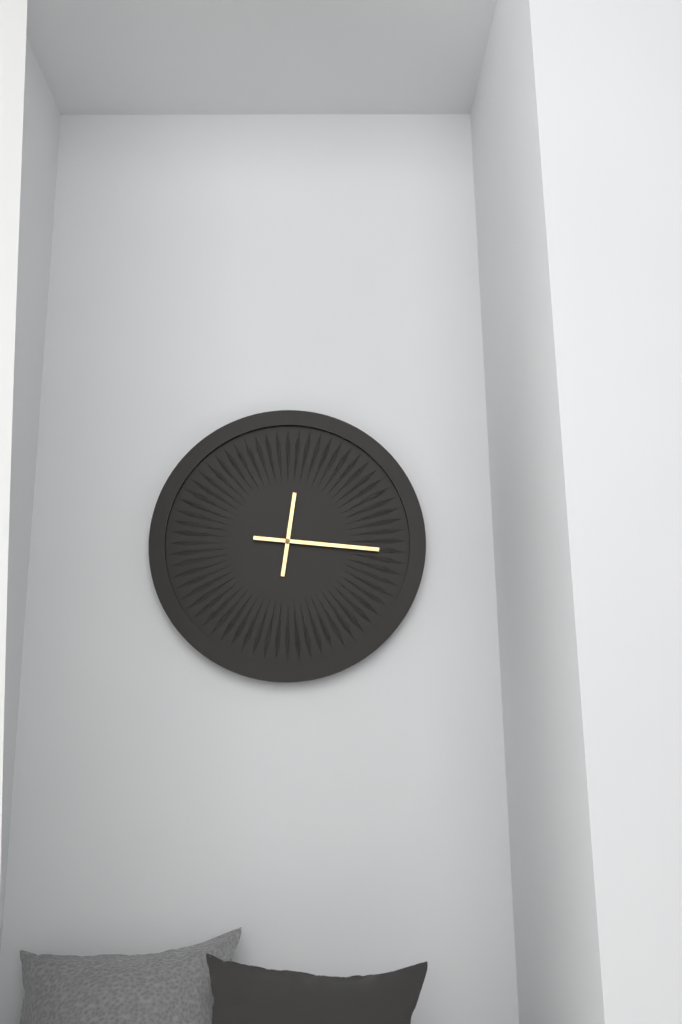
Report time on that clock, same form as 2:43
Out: 12:16
